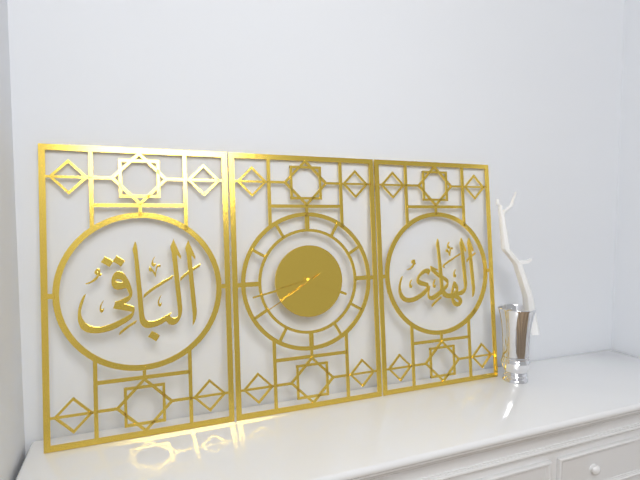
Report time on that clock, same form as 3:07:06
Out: 3:43:40
